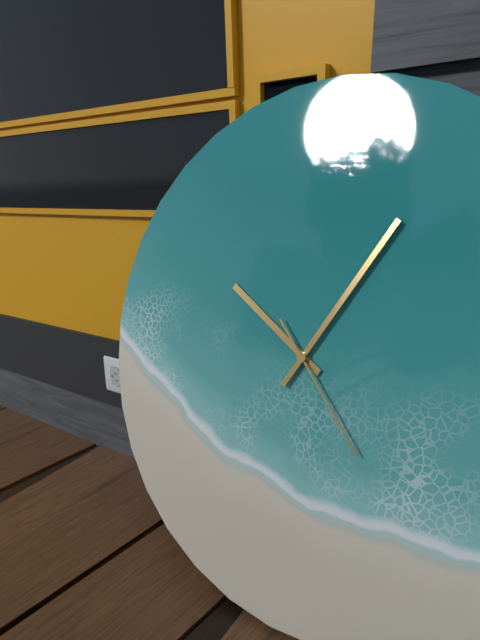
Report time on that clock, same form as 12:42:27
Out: 10:05:23
